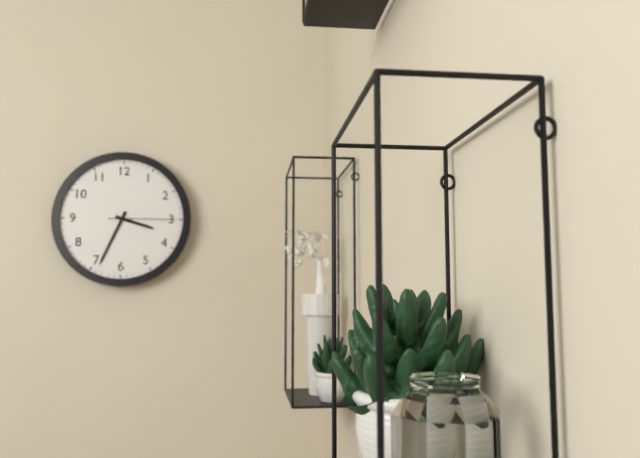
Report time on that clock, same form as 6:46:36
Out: 3:34:15
